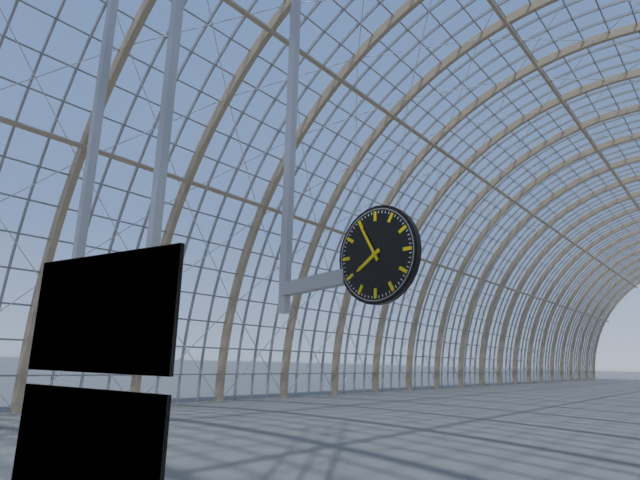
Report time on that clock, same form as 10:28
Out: 7:55
